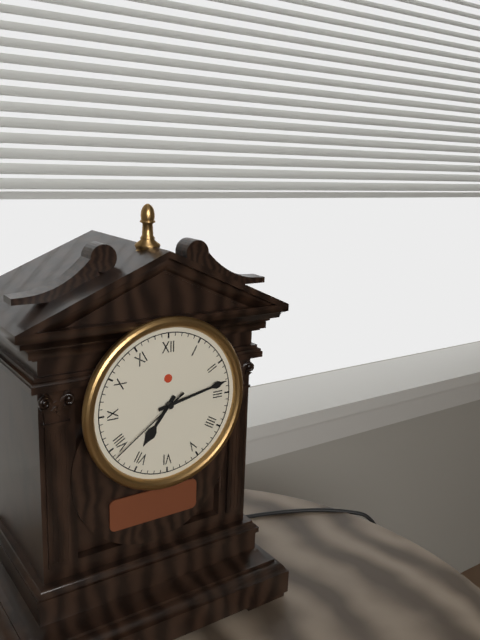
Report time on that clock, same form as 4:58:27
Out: 7:13:39
